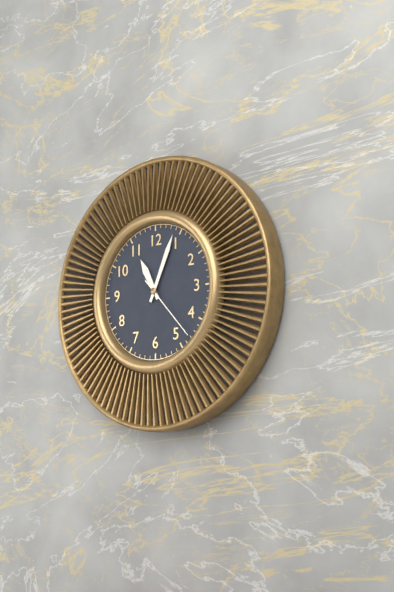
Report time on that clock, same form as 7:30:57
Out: 11:04:23
